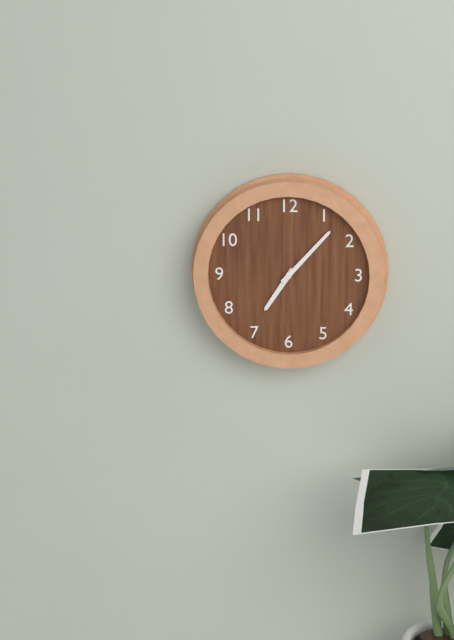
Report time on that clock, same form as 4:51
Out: 7:07
